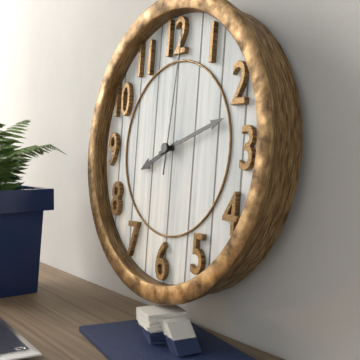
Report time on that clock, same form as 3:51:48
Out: 8:12:01
